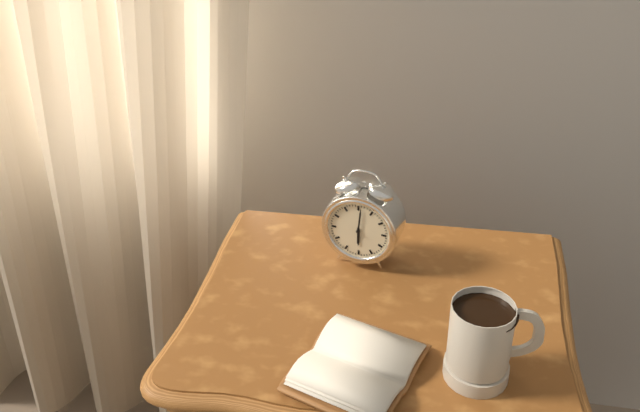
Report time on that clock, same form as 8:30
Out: 6:01
